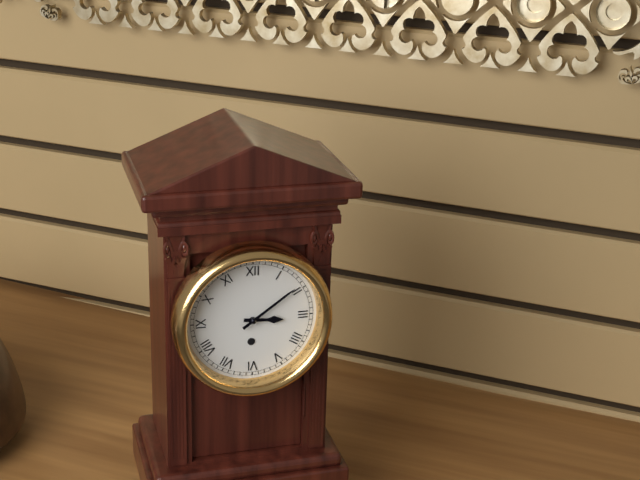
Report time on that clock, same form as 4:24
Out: 3:09
